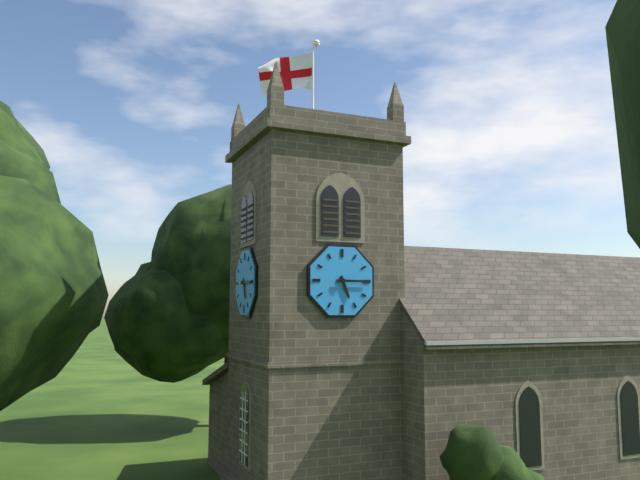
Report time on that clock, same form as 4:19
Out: 5:15
